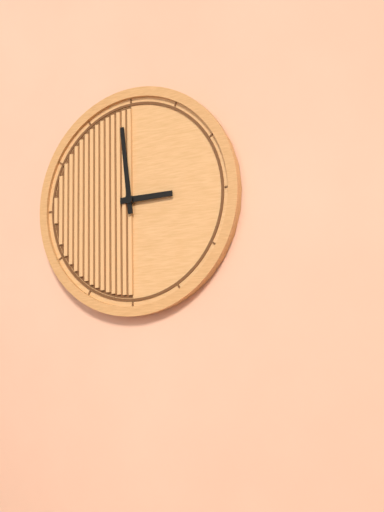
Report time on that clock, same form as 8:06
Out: 2:59
